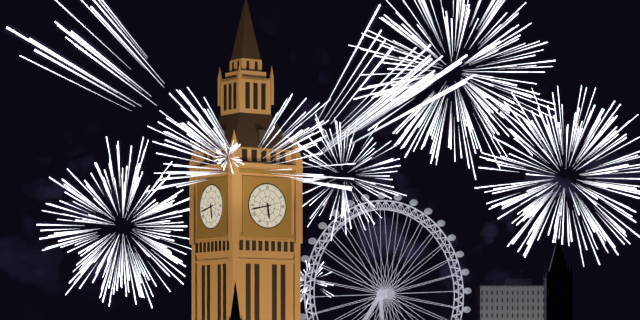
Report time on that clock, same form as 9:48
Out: 5:43
